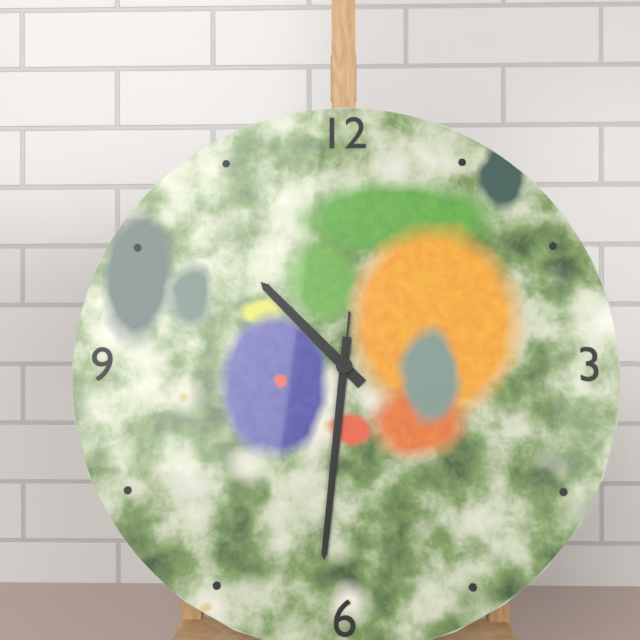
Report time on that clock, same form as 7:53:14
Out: 10:31:31
